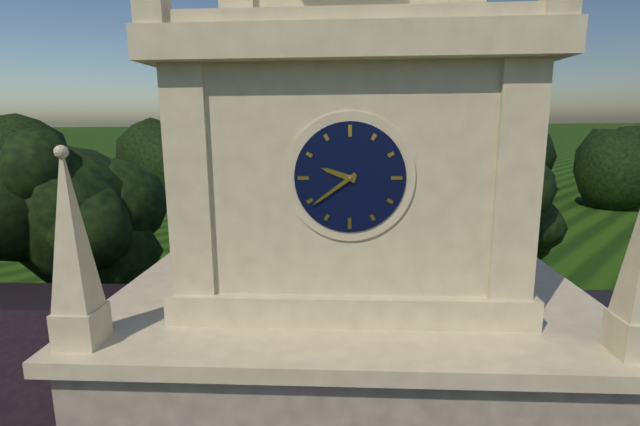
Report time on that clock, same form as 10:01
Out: 9:39
